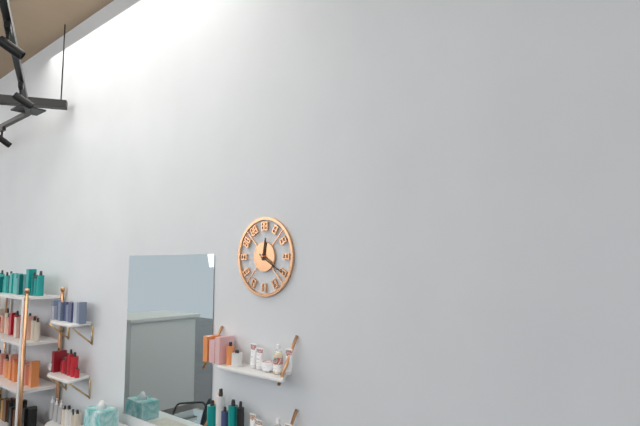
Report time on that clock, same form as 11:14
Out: 12:20
